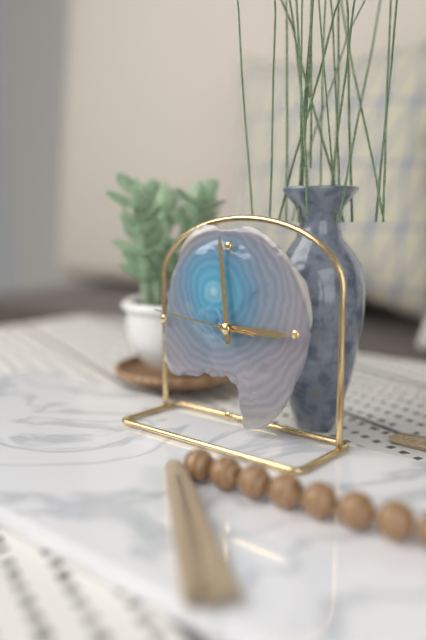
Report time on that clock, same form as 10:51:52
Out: 2:59:46
